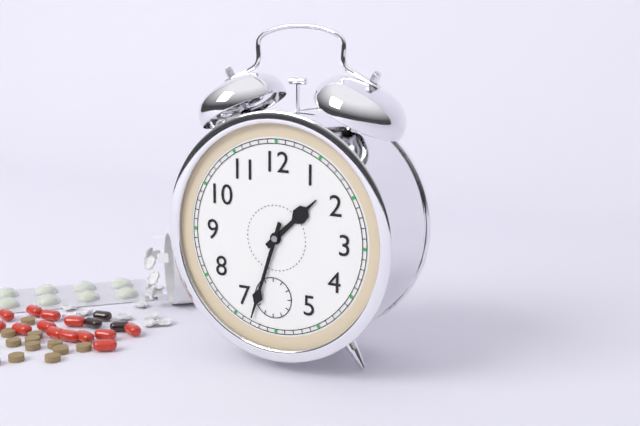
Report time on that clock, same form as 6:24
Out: 1:33
